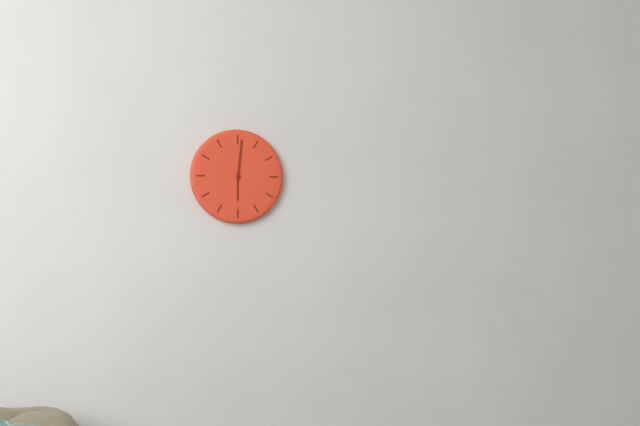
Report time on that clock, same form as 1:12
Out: 6:01
